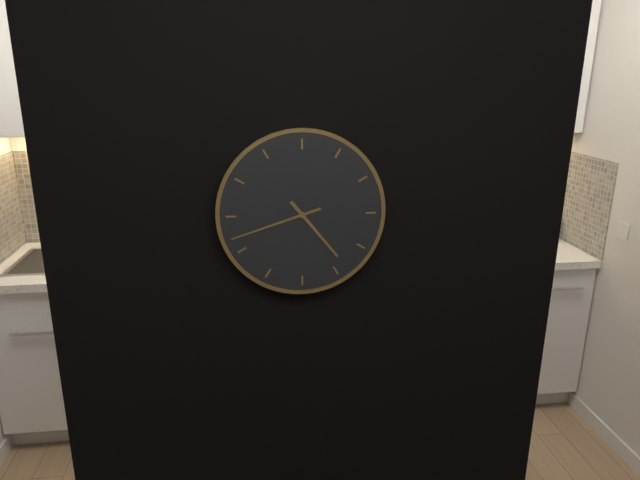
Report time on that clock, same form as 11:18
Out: 4:42
